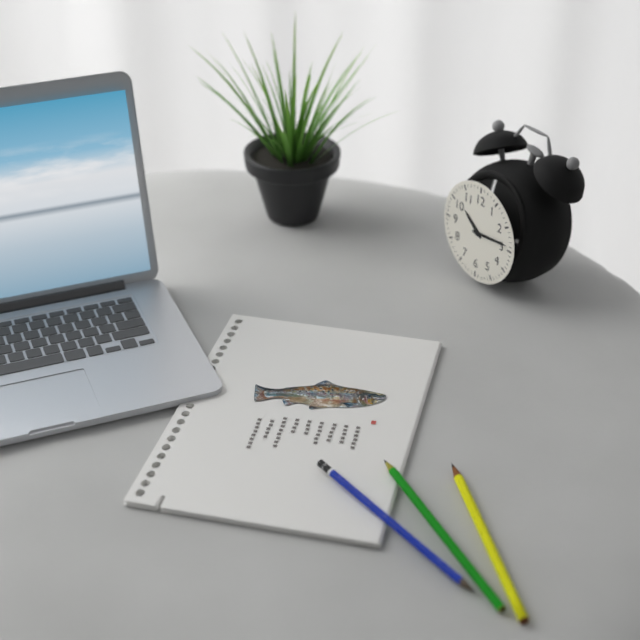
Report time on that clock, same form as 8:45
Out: 10:14
